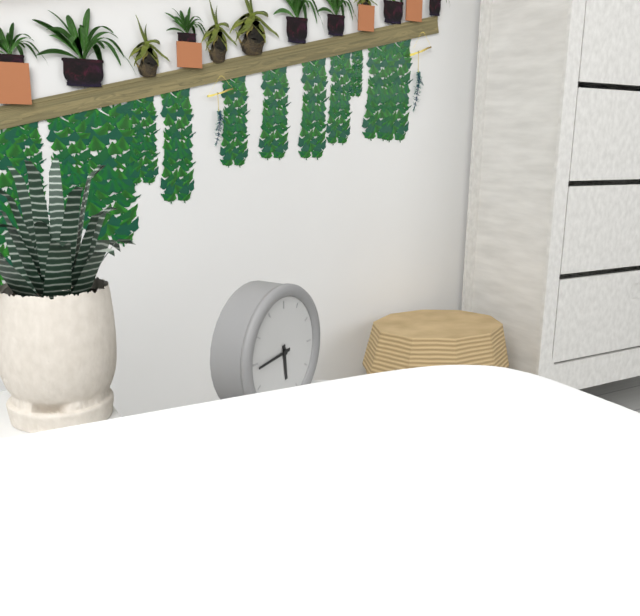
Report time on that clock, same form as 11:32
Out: 5:44
